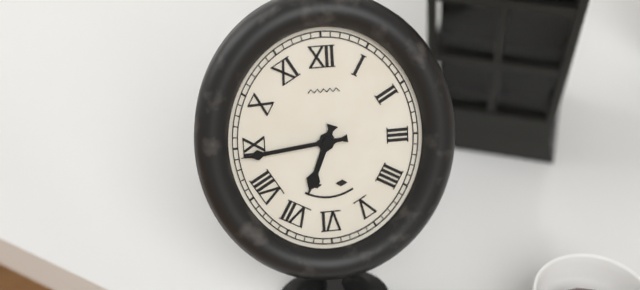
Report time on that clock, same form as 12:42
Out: 6:44
